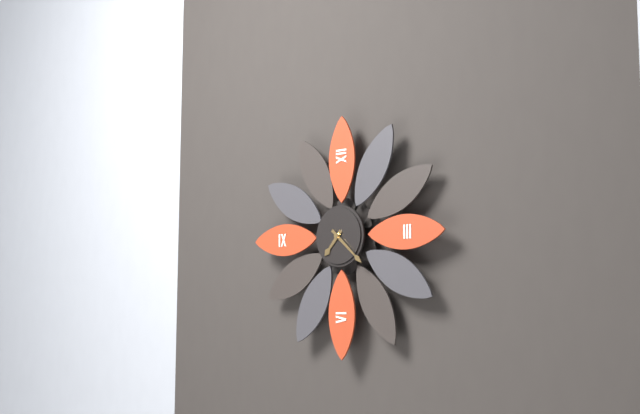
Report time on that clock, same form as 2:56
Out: 7:22
